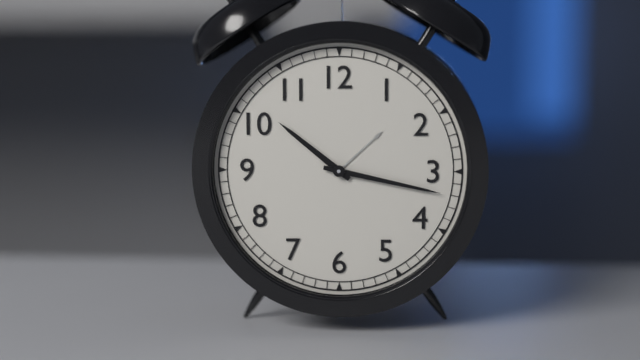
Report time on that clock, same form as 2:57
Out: 10:17
